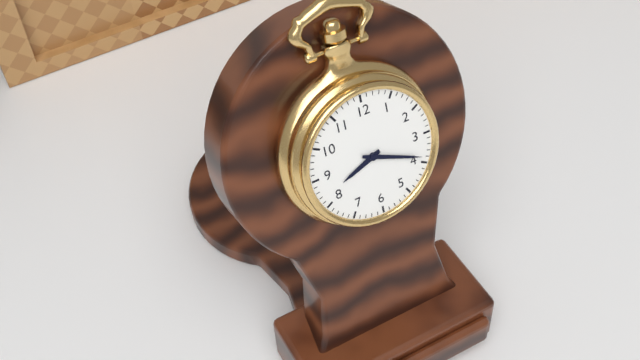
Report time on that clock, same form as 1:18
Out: 8:19
